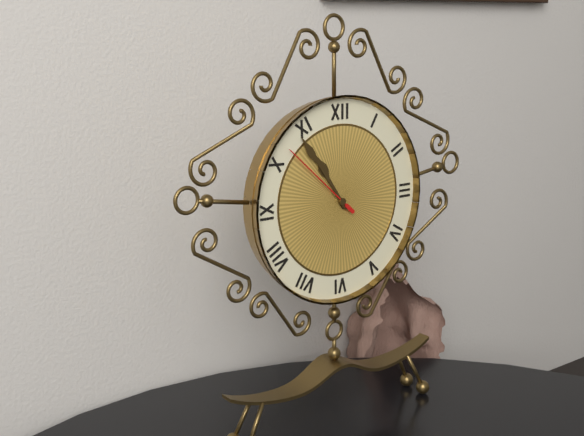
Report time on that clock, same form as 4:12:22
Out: 10:54:52
